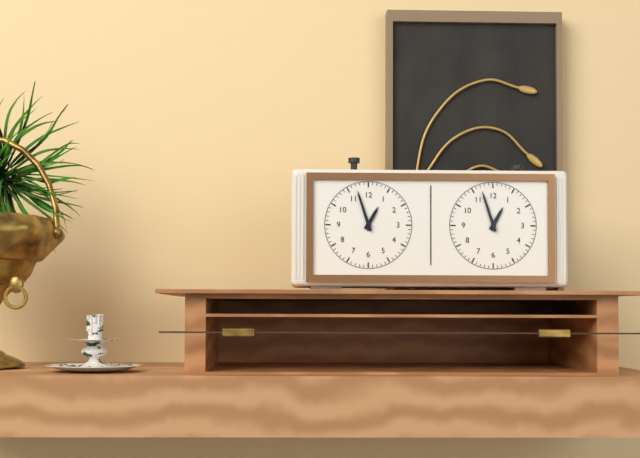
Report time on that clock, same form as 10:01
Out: 12:57
